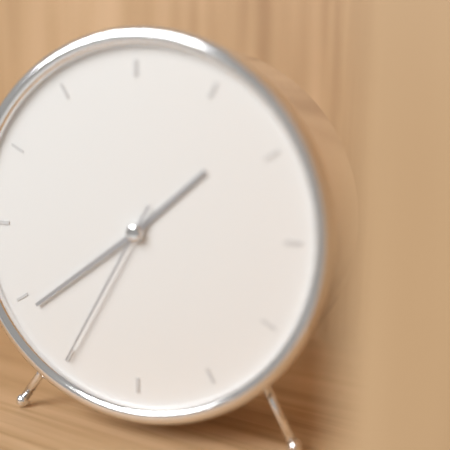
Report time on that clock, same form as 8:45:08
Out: 1:39:35
